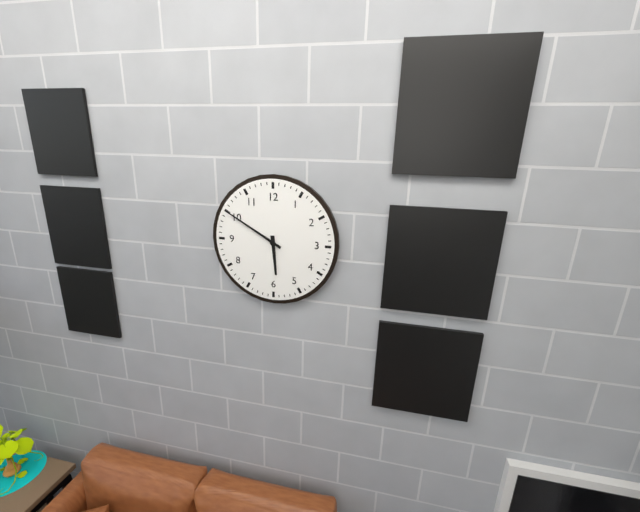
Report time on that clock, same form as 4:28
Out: 5:50
